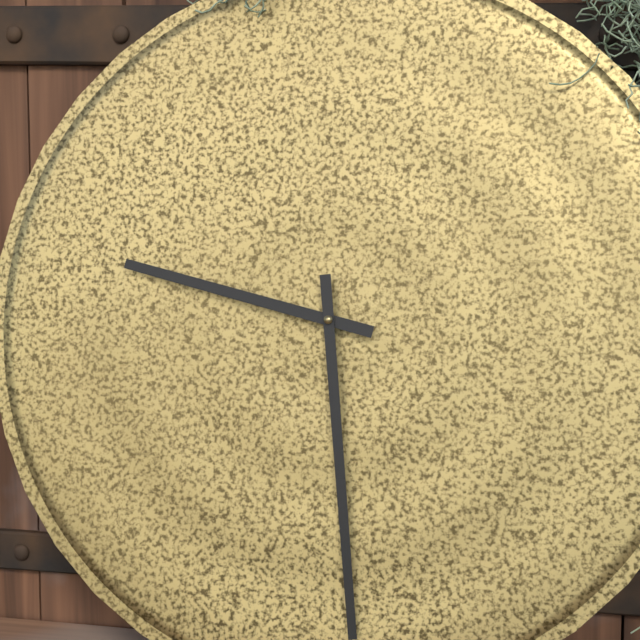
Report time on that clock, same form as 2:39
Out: 9:29
